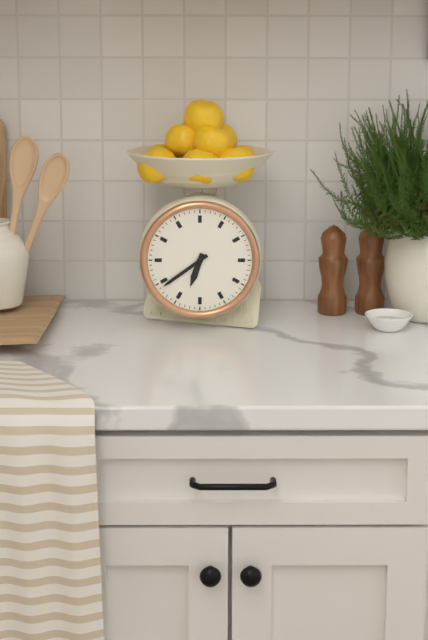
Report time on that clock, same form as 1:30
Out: 6:39
